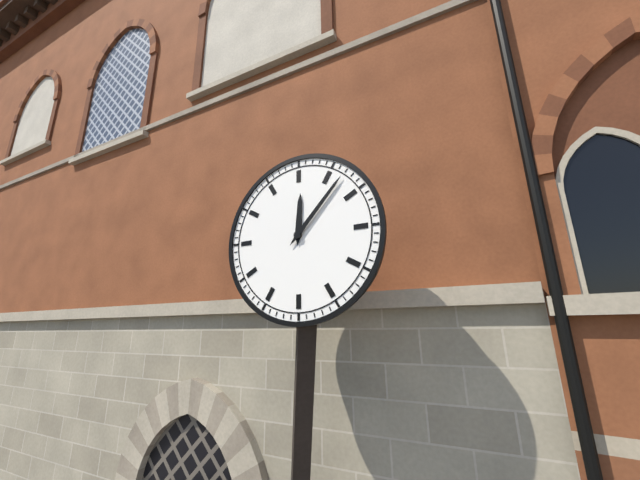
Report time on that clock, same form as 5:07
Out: 12:07
